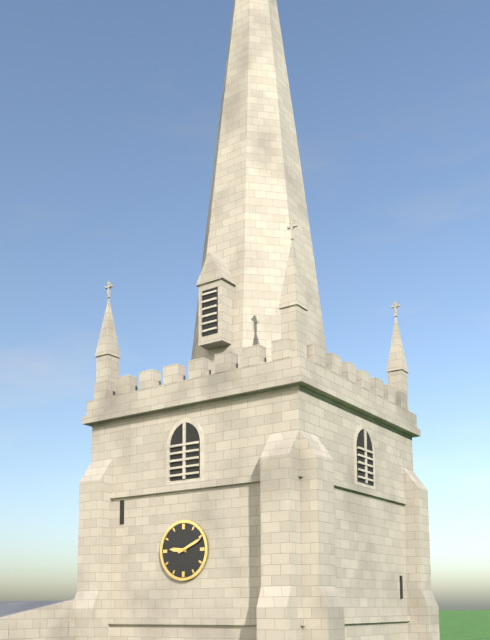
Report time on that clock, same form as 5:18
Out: 9:11
